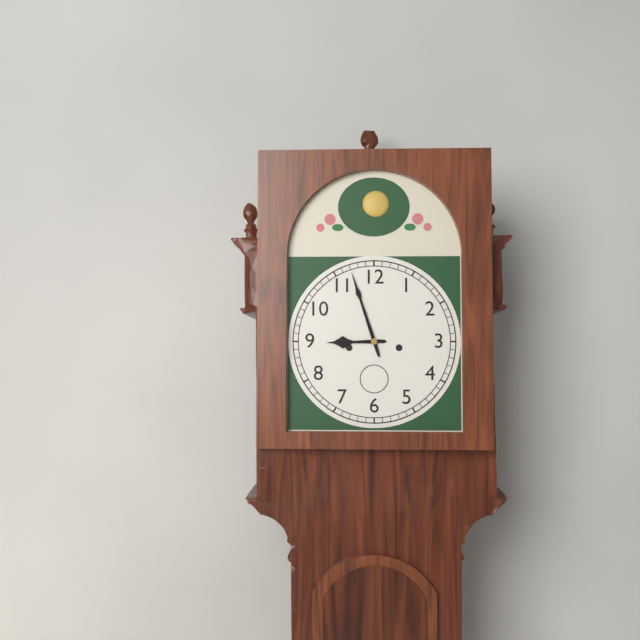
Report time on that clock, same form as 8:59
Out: 8:57
